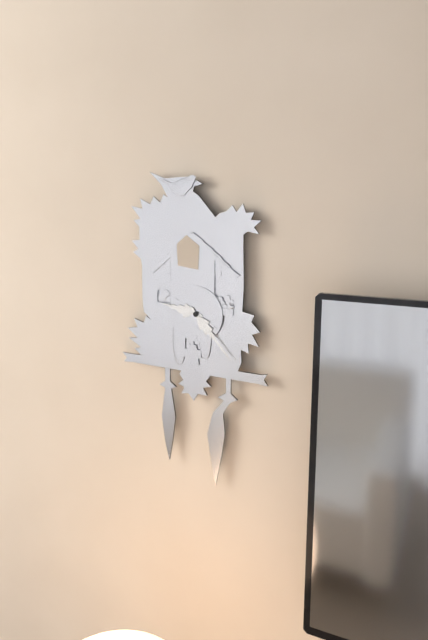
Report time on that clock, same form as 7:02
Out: 9:23
